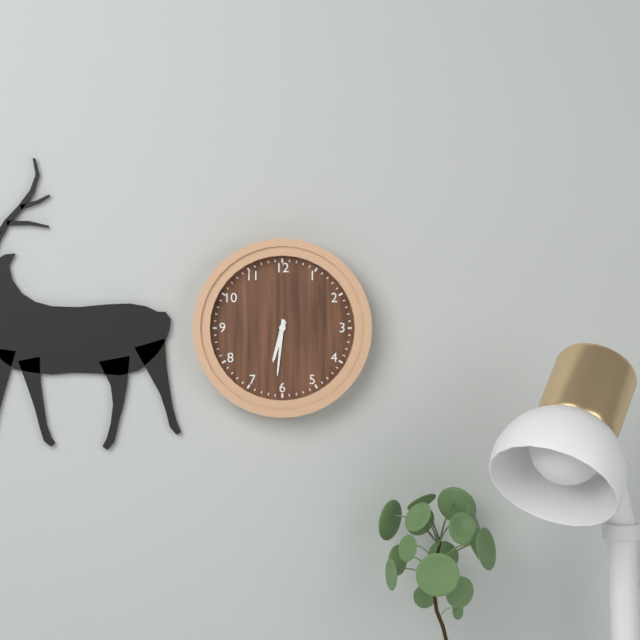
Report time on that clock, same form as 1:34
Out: 6:31
